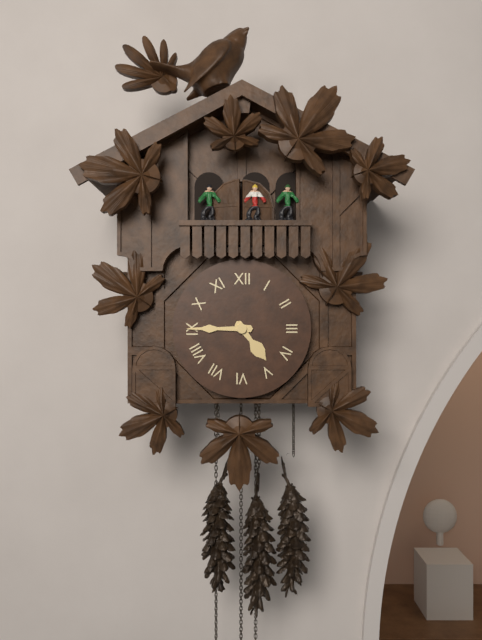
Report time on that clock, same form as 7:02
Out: 4:45
